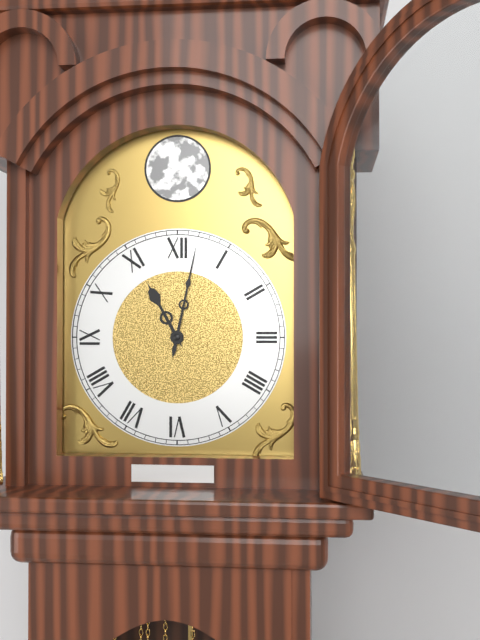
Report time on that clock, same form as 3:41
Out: 11:02
